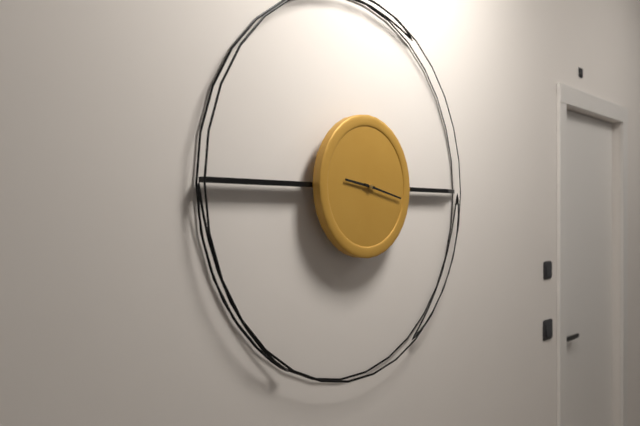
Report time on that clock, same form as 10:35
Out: 9:17
